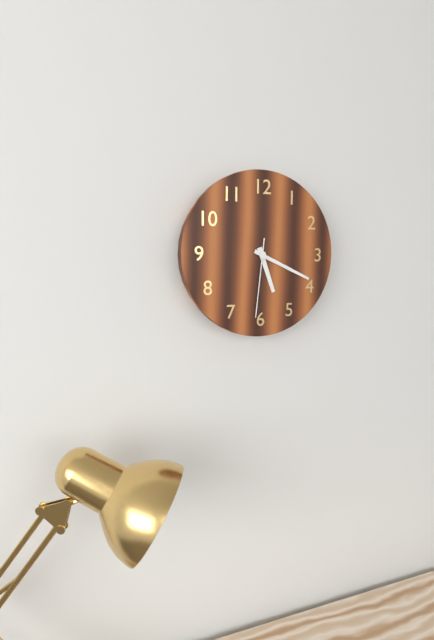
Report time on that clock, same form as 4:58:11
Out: 5:19:31
